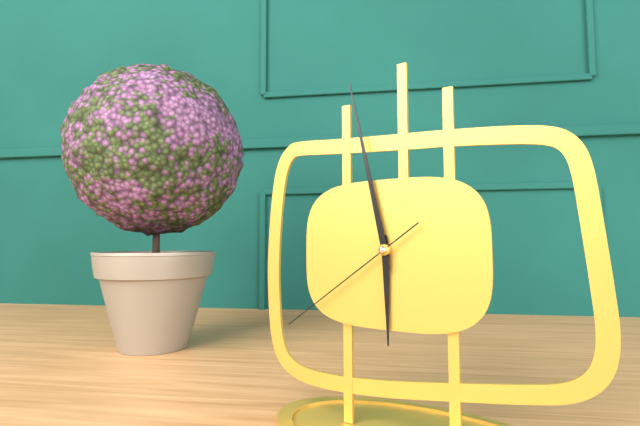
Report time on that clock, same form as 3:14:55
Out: 5:58:39
